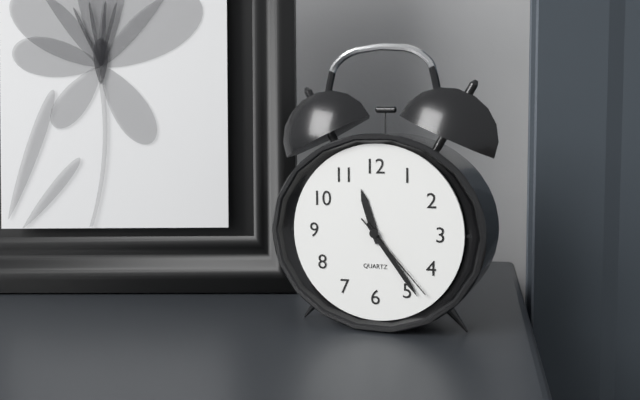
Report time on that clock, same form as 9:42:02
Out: 11:24:23
